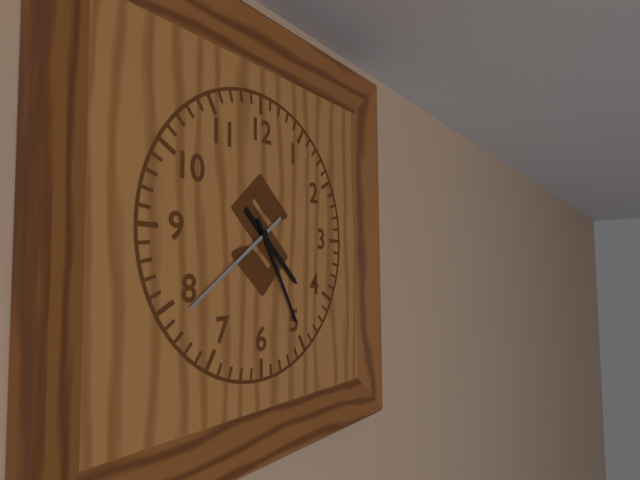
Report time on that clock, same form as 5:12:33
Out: 4:25:39
